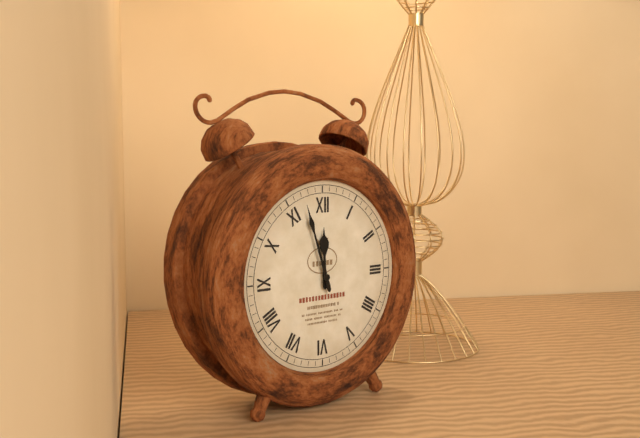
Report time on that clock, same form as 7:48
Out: 11:57
